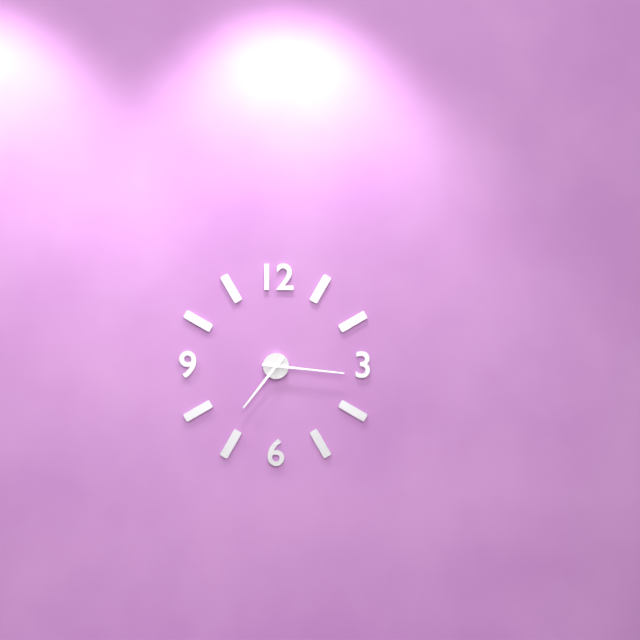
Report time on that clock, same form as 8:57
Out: 7:16
